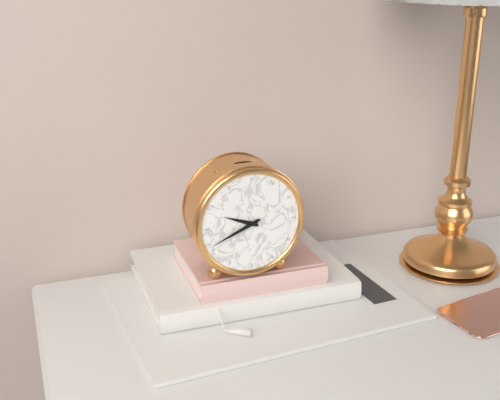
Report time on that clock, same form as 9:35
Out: 9:41
